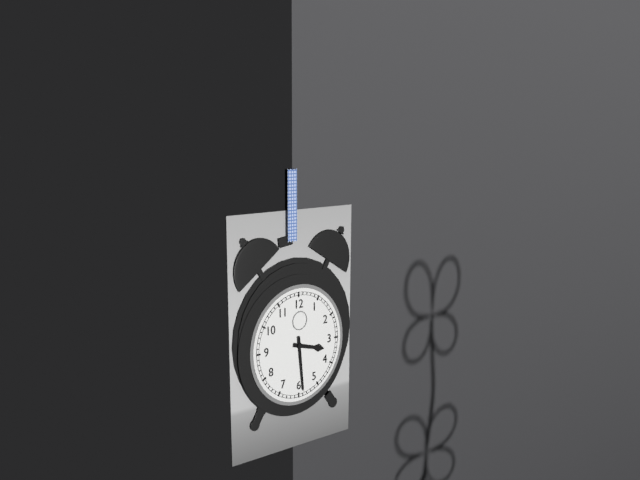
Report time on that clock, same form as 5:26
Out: 3:29
